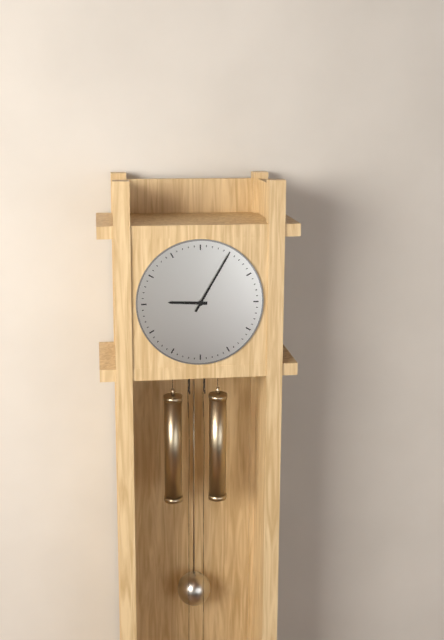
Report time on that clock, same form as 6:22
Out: 9:05
